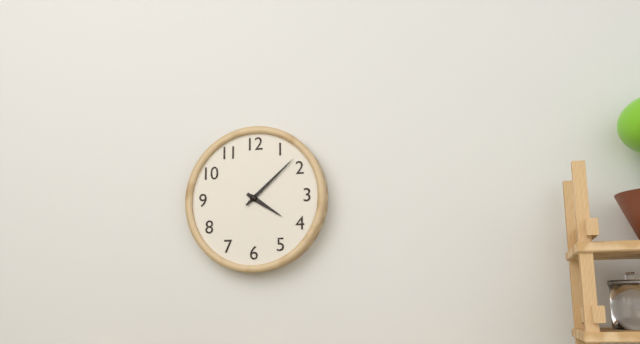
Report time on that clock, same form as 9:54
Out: 4:08
